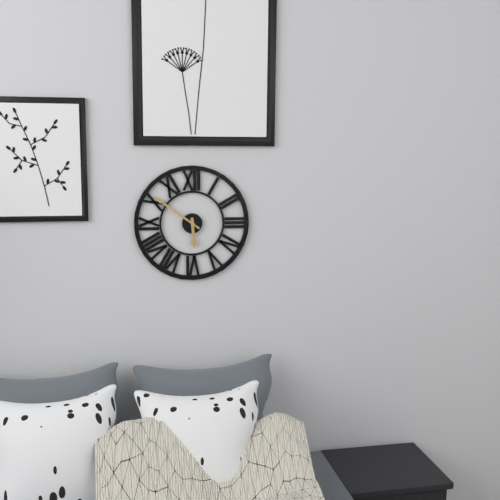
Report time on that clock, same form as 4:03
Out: 5:51
